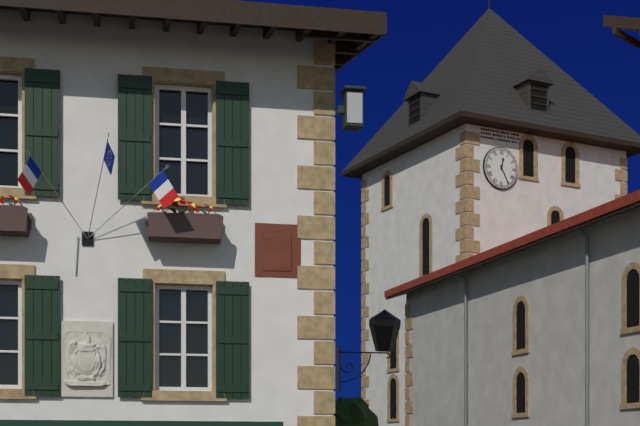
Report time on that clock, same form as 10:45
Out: 12:25
